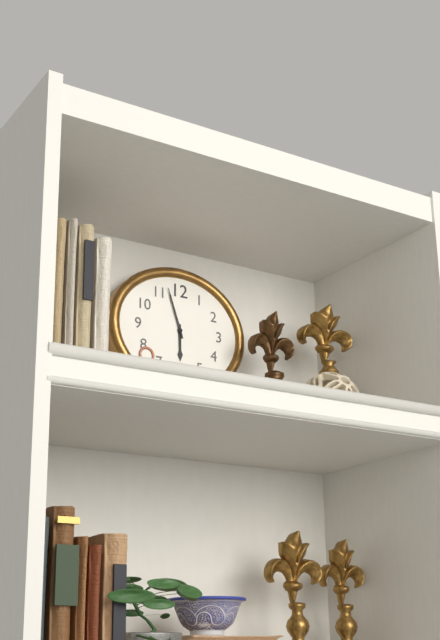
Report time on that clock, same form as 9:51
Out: 5:57
